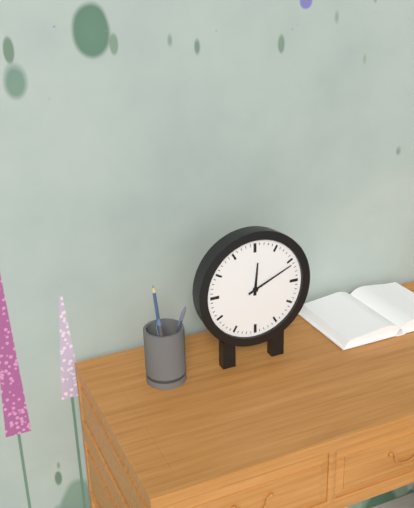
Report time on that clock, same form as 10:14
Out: 12:11
